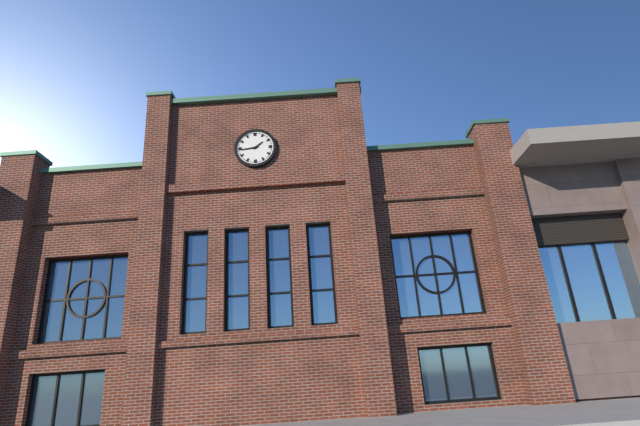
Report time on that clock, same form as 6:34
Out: 1:44
